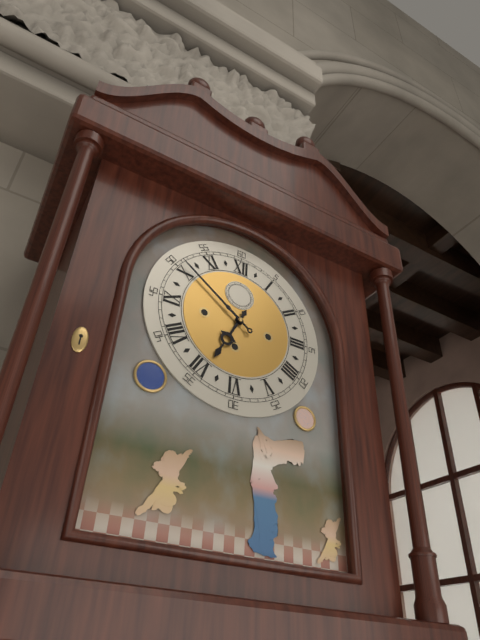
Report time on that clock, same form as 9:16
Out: 6:51
